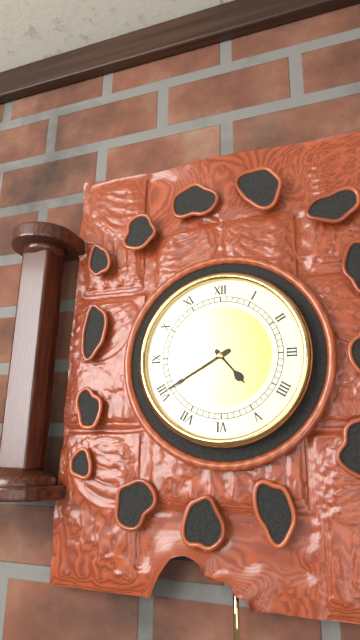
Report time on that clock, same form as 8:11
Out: 4:40
